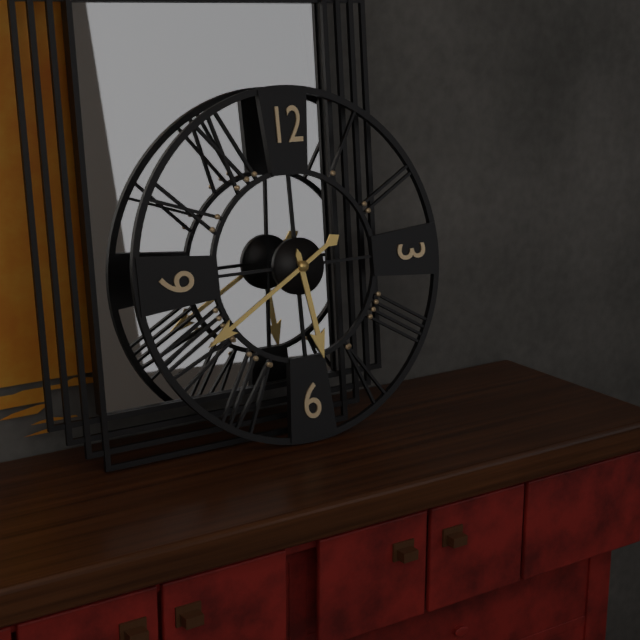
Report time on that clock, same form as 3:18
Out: 5:40
